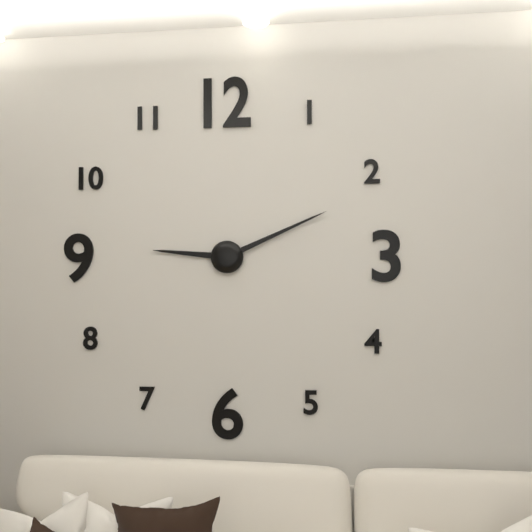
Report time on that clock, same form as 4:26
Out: 9:11
